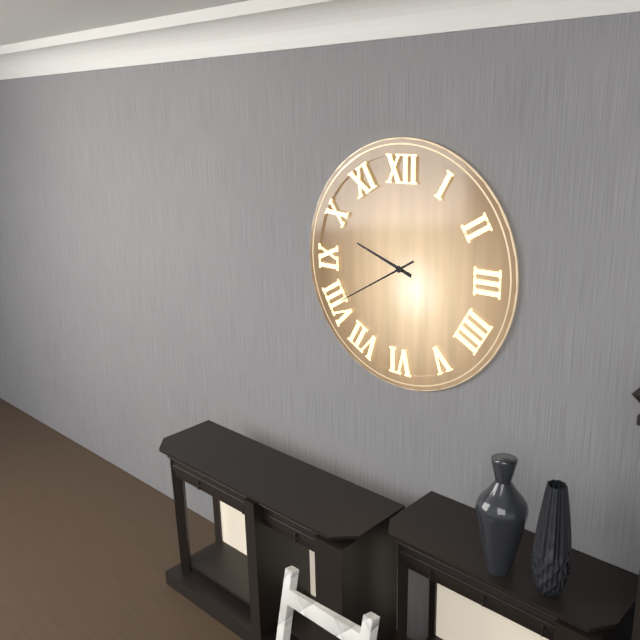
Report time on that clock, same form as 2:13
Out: 9:40
